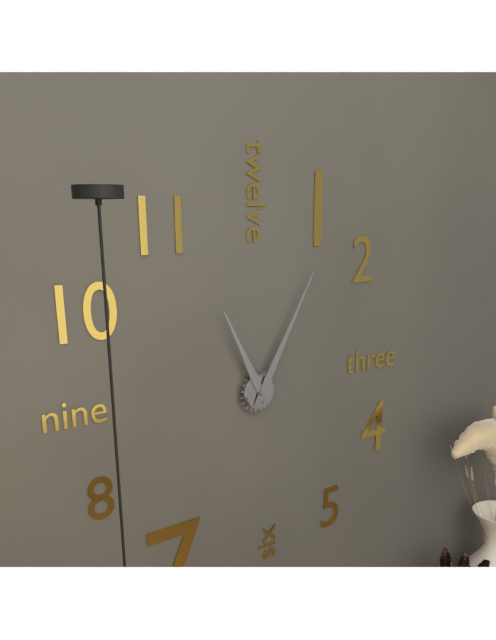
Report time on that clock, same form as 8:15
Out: 11:05
